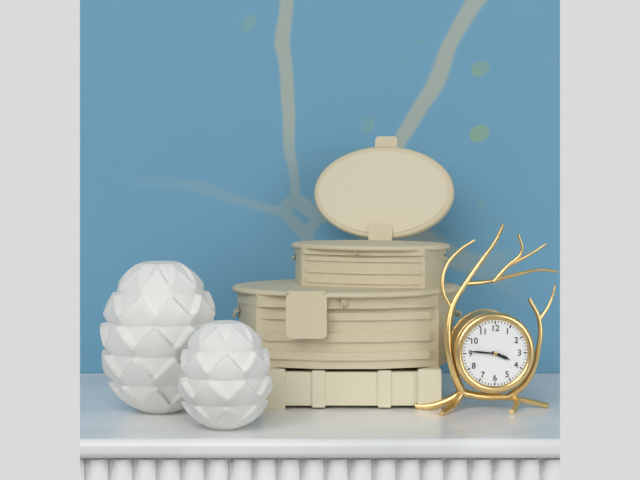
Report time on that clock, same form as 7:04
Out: 3:46
